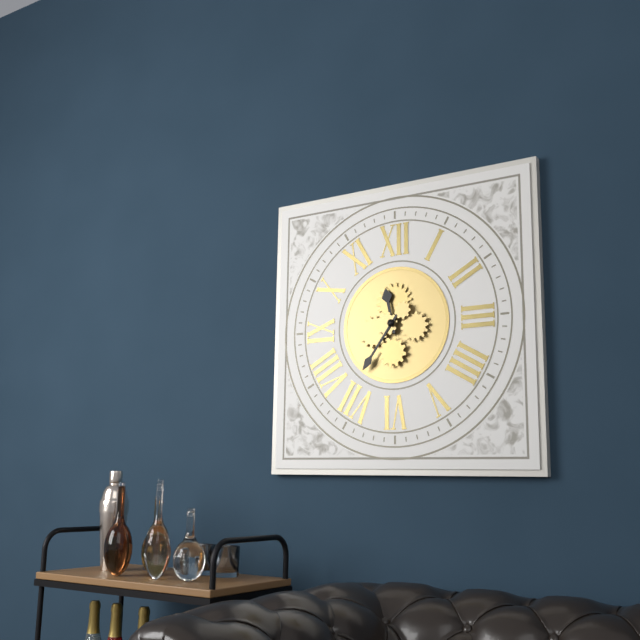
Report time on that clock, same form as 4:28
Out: 11:36
